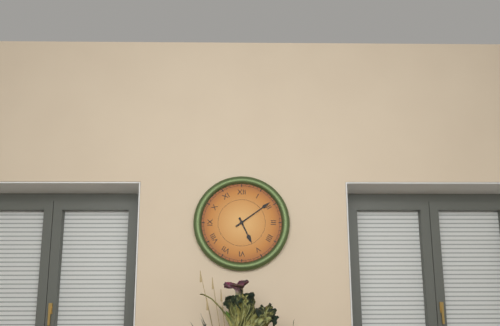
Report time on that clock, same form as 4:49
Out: 5:09
